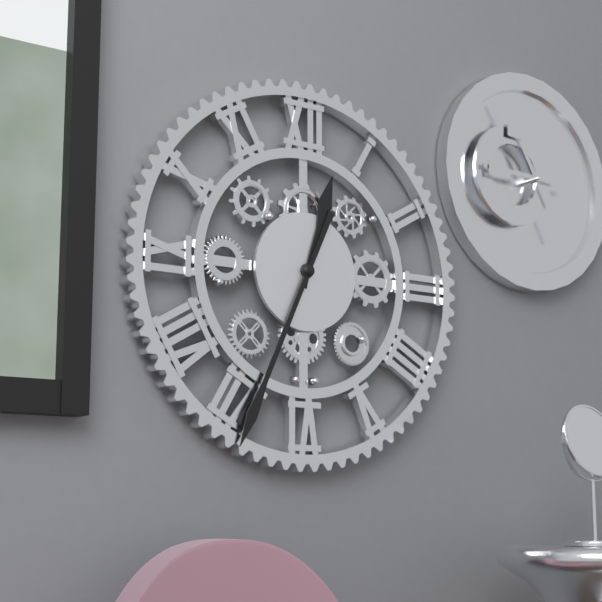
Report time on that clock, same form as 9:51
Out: 12:34
